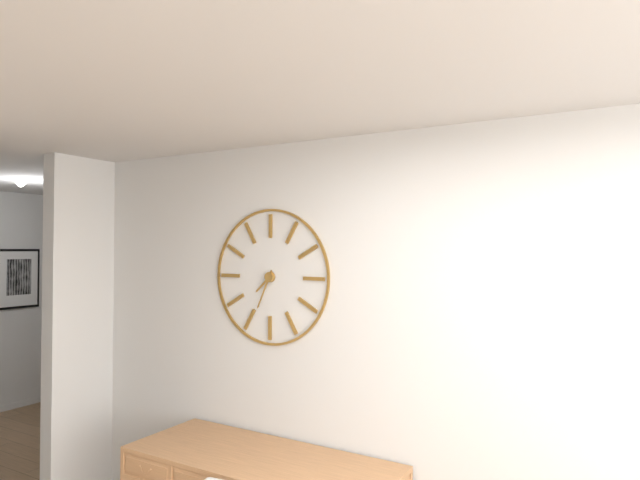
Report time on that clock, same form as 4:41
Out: 7:34
